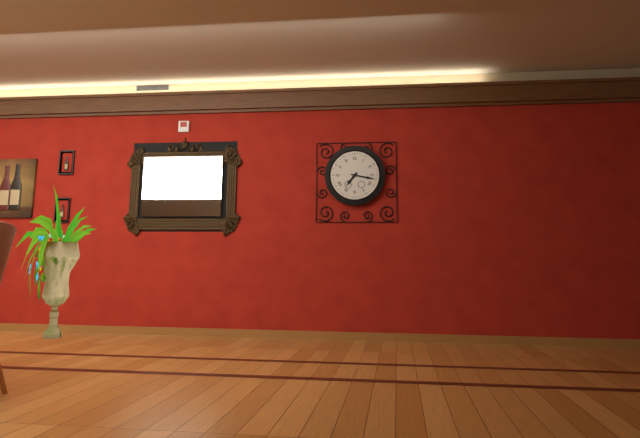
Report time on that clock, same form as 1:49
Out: 7:17
